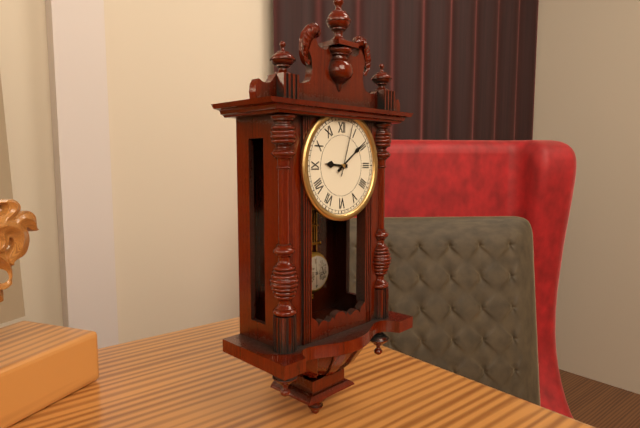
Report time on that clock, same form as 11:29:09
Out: 9:09:03
